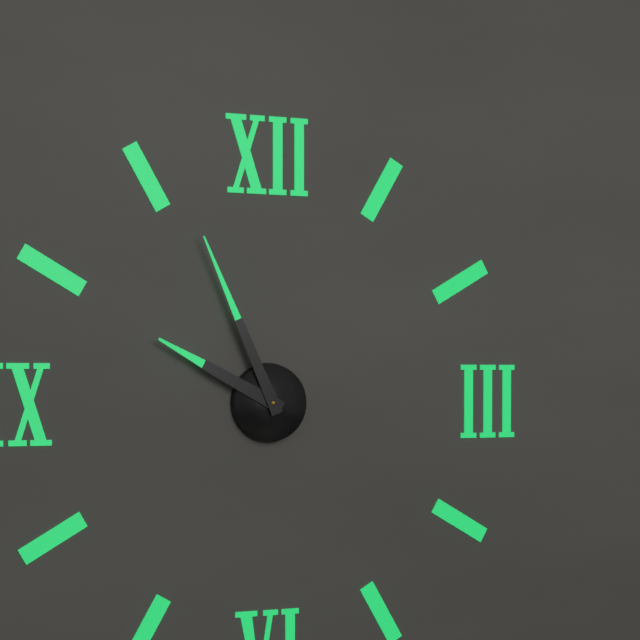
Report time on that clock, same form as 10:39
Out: 9:56
